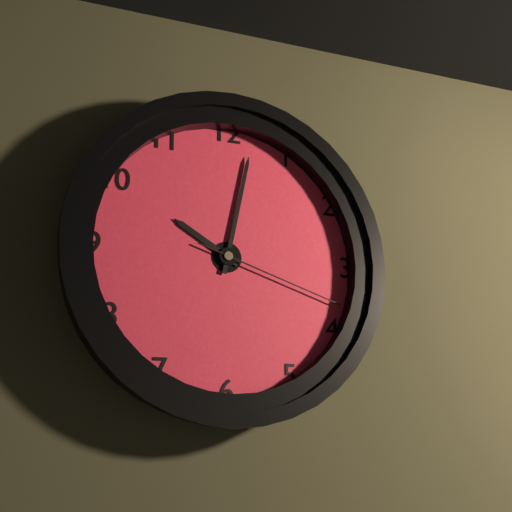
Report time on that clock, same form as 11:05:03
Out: 10:02:18
